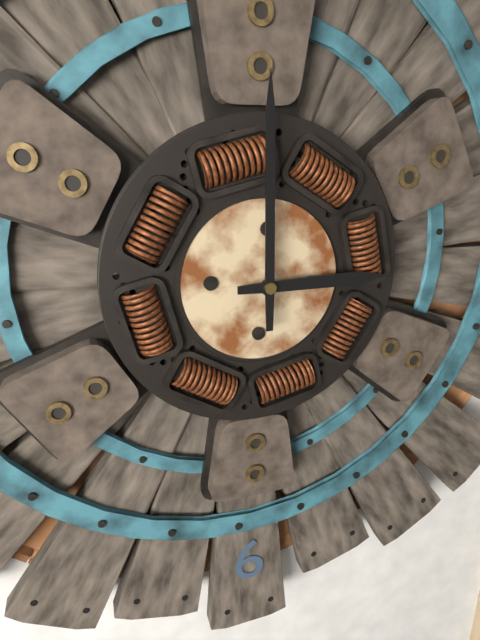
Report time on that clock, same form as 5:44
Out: 3:00
